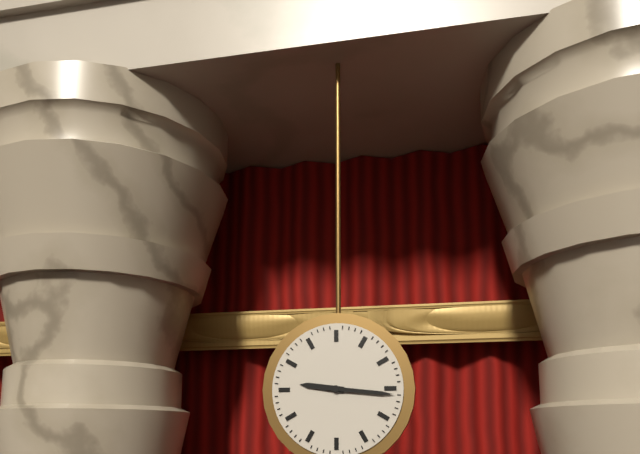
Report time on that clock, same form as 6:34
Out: 9:16
